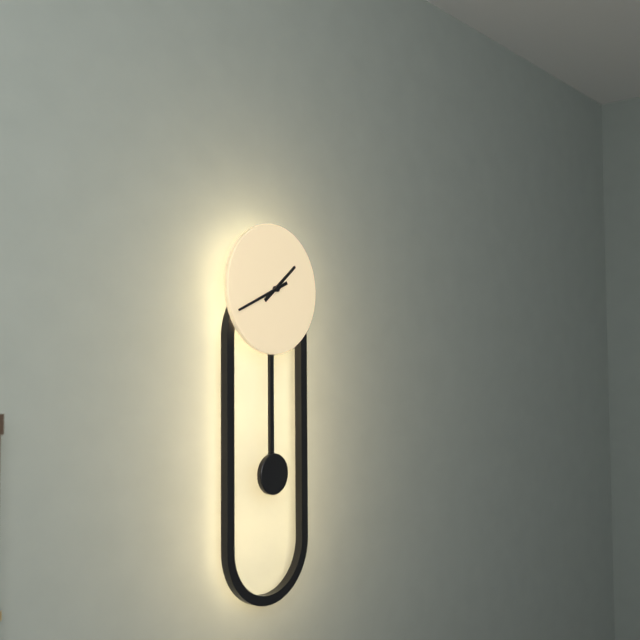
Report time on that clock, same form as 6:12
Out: 1:41
